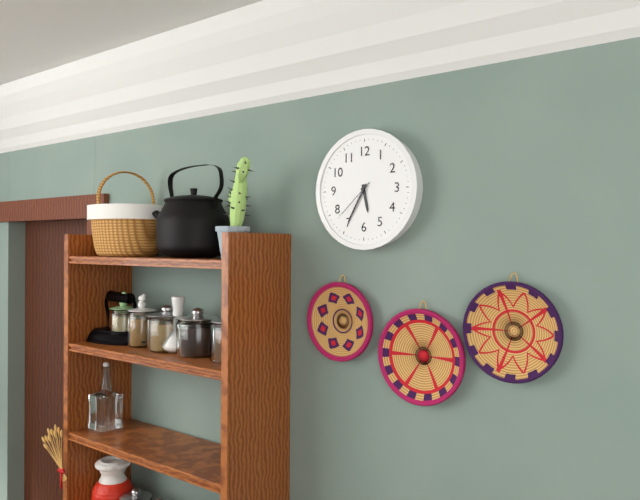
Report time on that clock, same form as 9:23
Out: 5:35
